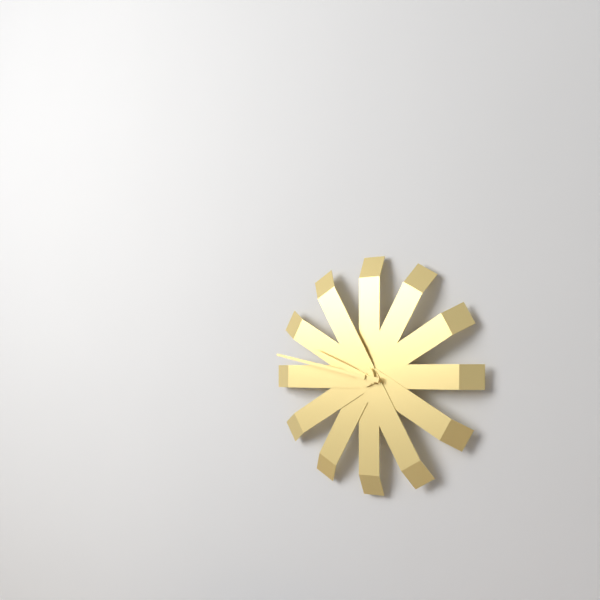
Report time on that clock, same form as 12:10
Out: 9:47
